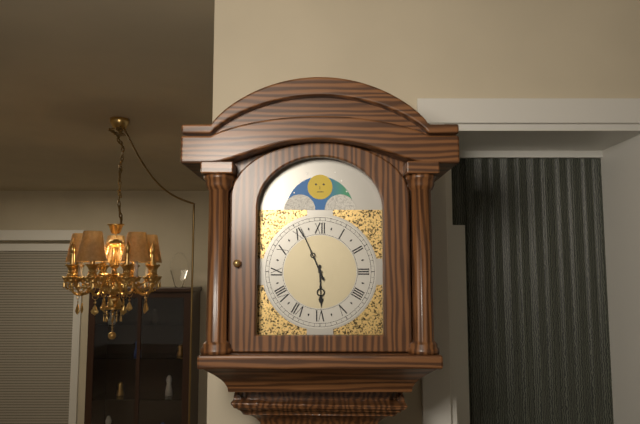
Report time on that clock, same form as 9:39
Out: 5:56
